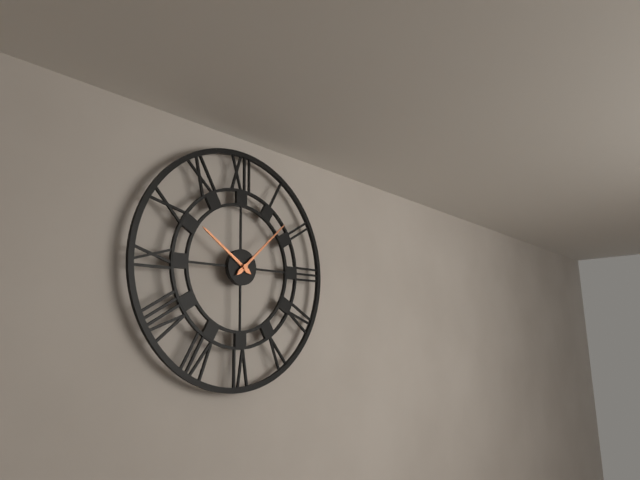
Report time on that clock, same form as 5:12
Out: 10:08
